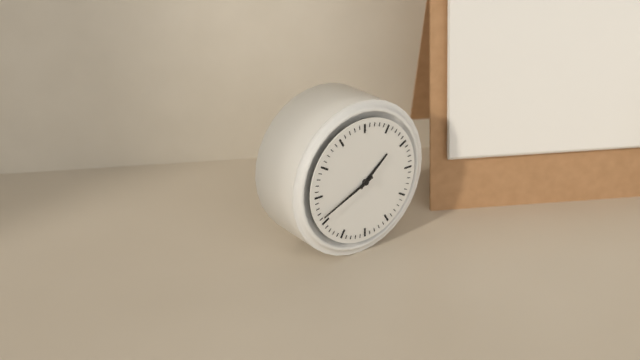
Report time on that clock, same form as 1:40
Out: 1:41
